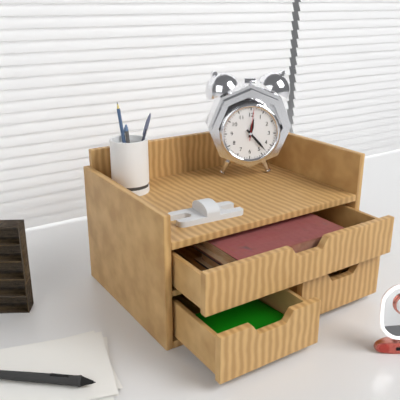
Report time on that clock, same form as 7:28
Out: 12:23
